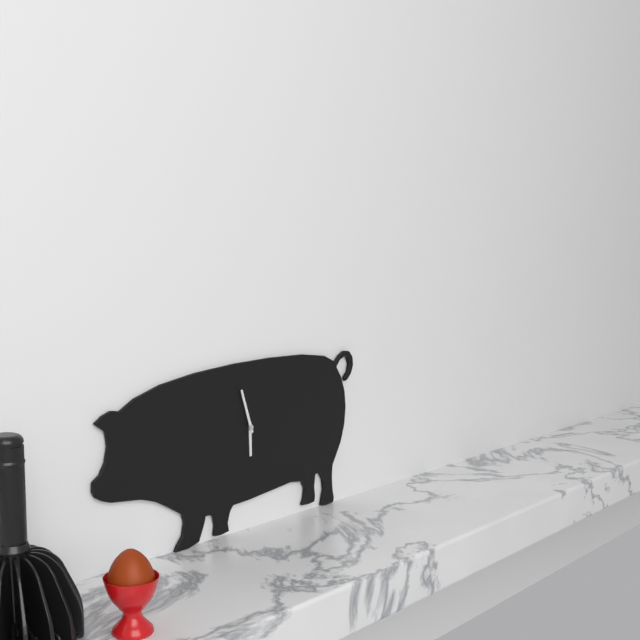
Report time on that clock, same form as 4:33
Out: 5:57
